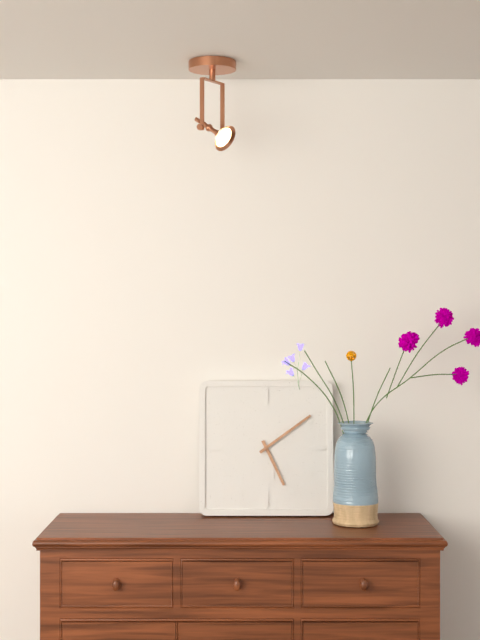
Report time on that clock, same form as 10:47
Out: 5:09
